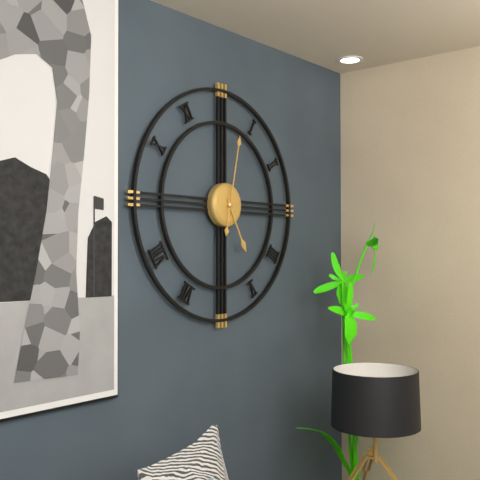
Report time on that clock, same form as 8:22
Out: 5:02
